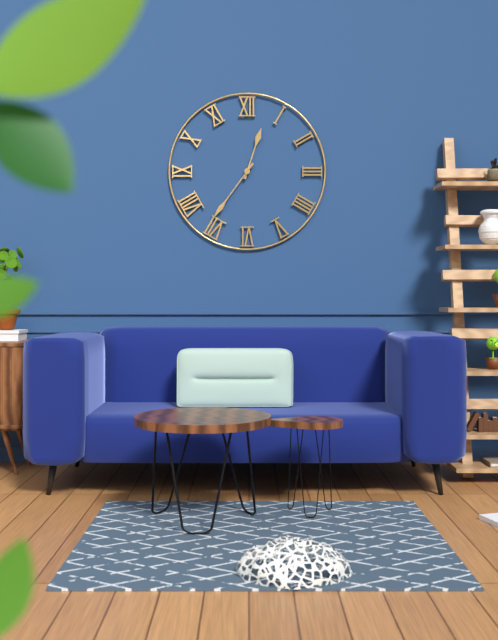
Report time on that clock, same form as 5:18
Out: 12:36
